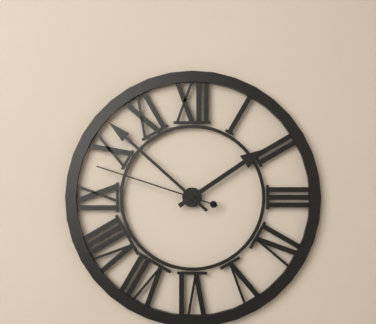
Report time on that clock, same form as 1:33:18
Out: 1:52:48
